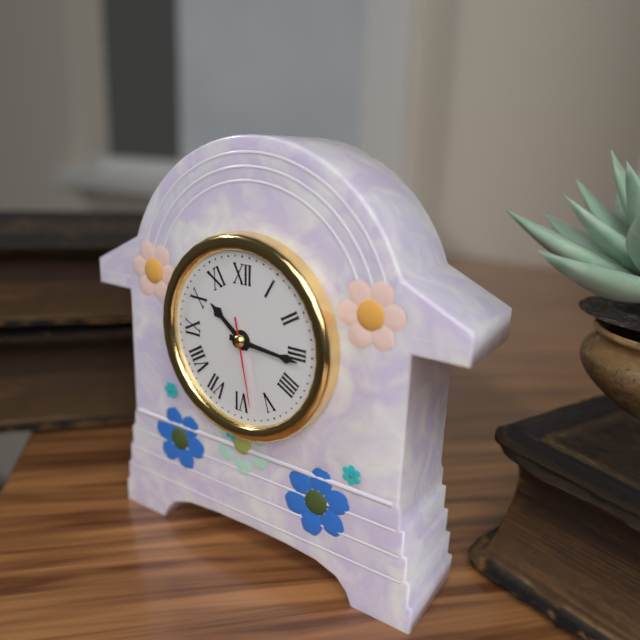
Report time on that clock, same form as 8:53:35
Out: 10:16:28
